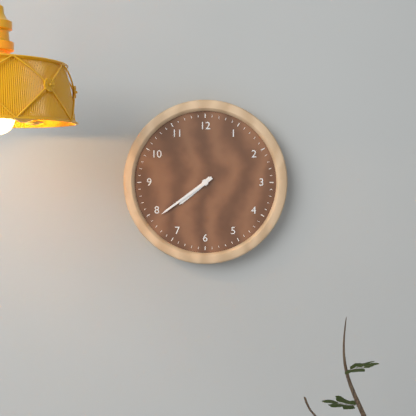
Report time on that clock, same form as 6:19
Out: 7:39
